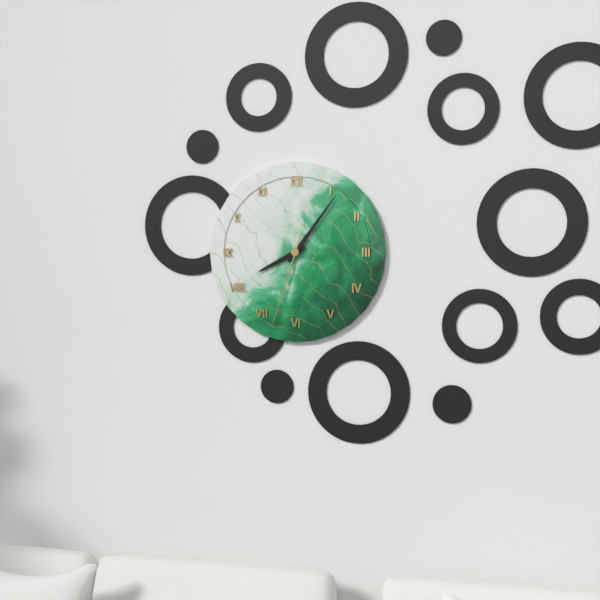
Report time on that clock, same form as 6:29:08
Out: 8:06:33
